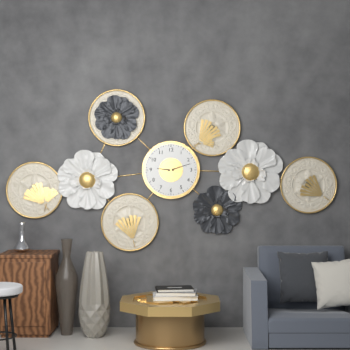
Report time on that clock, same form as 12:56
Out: 9:12
